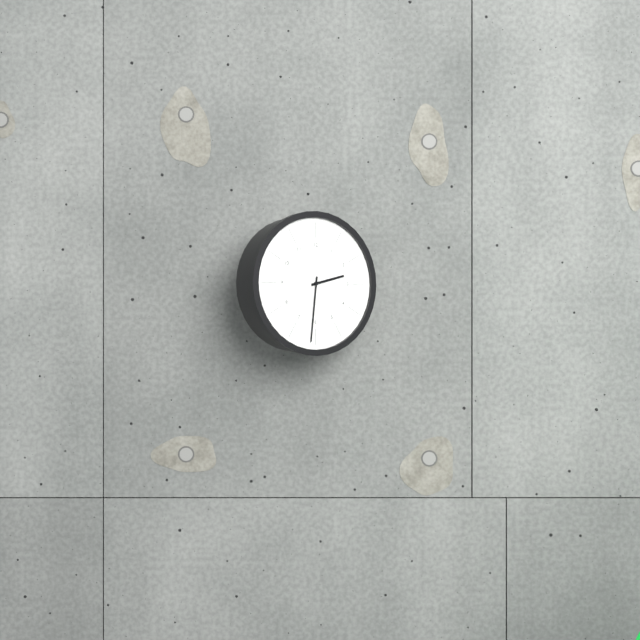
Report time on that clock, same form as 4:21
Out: 2:31
